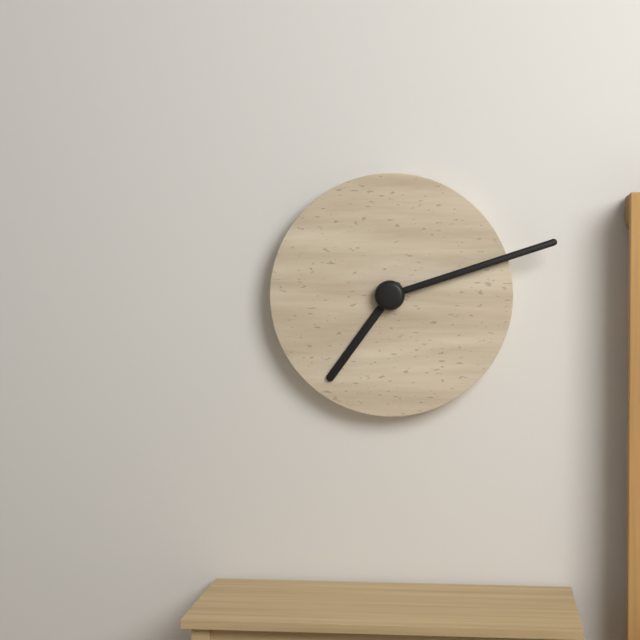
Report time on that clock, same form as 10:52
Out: 7:12
